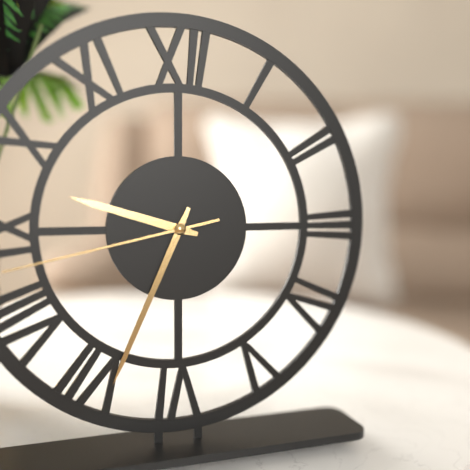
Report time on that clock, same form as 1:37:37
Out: 9:34:43
